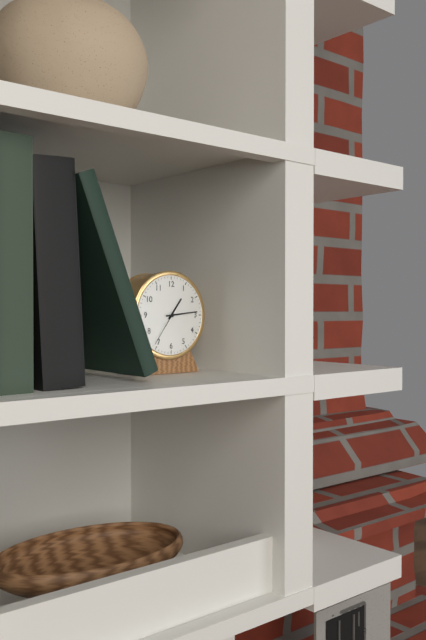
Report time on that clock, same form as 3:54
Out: 1:14
